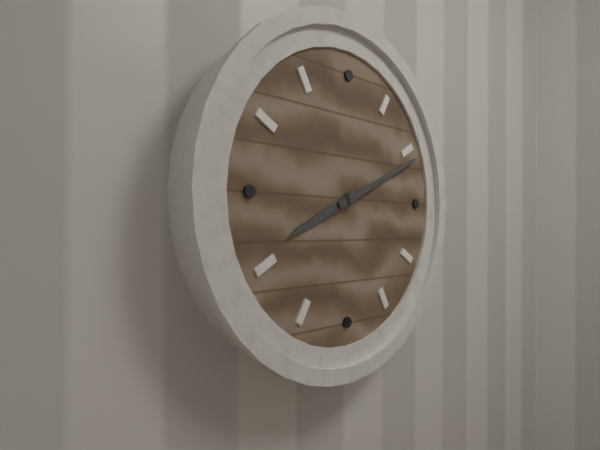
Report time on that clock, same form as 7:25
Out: 8:11
